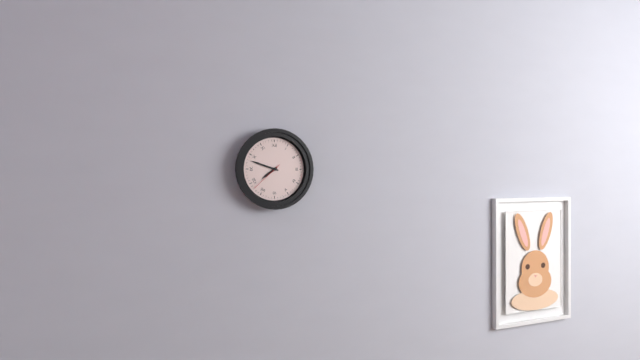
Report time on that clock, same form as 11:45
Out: 7:48
